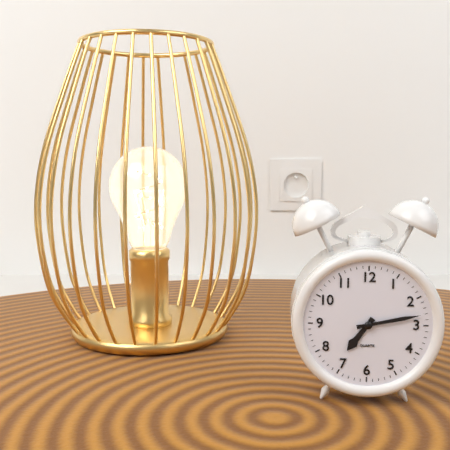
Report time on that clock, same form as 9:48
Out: 7:13
